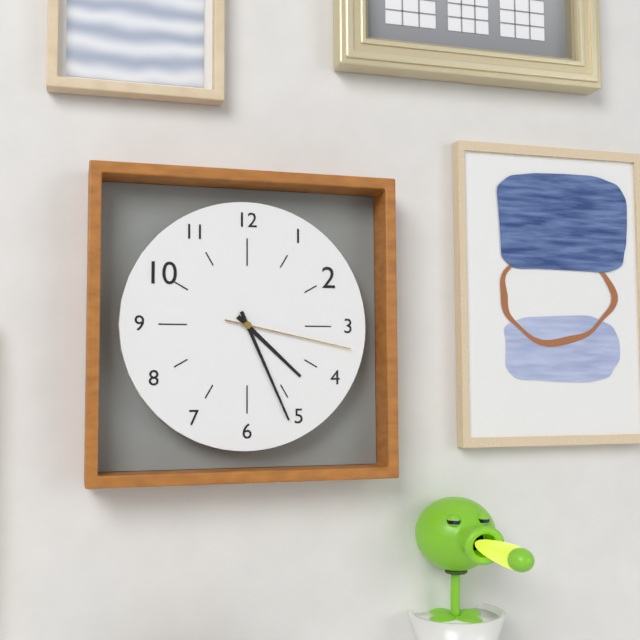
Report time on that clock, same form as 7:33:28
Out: 4:26:17
